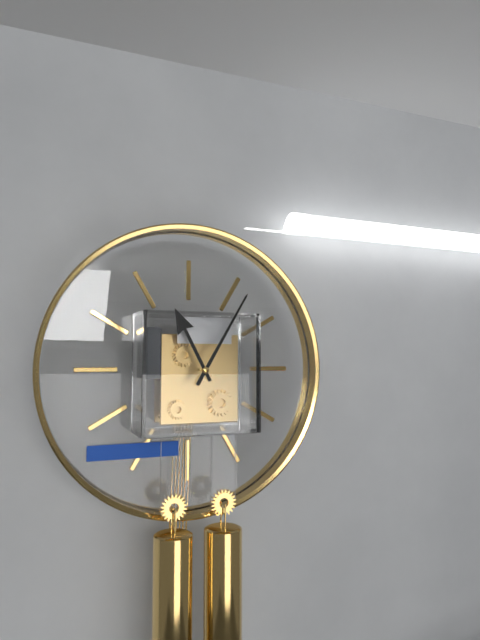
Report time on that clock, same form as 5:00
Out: 11:05
